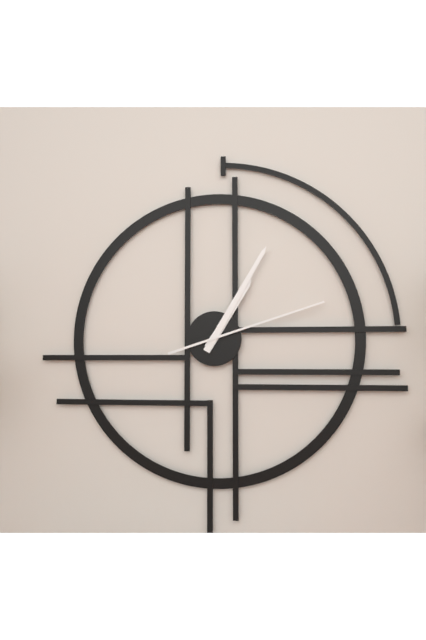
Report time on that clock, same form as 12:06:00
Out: 1:05:12
